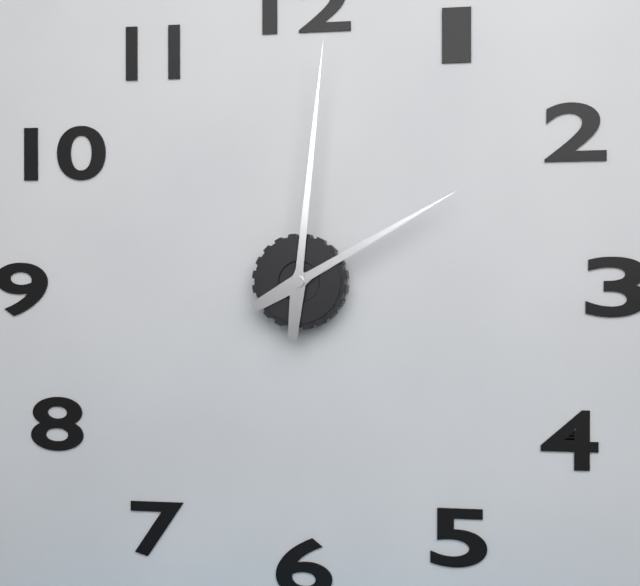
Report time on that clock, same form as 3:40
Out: 2:01
